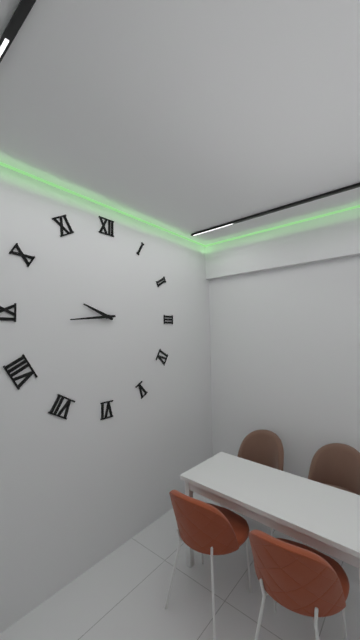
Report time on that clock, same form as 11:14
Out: 9:44
